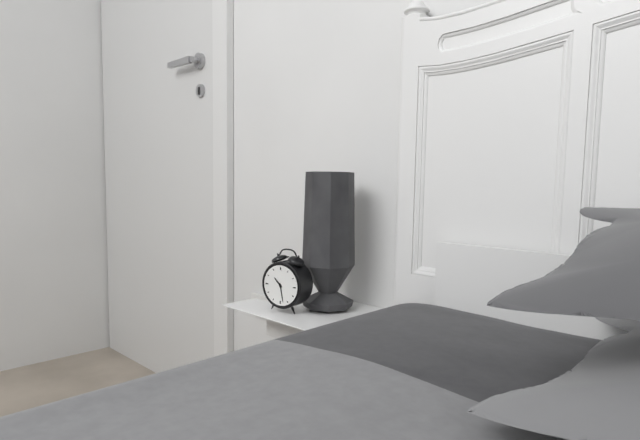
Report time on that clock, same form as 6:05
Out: 10:28
